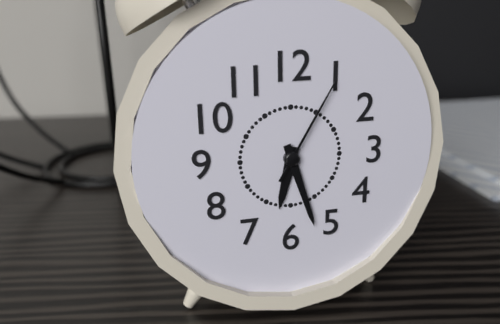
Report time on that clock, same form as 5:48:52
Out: 6:27:05
